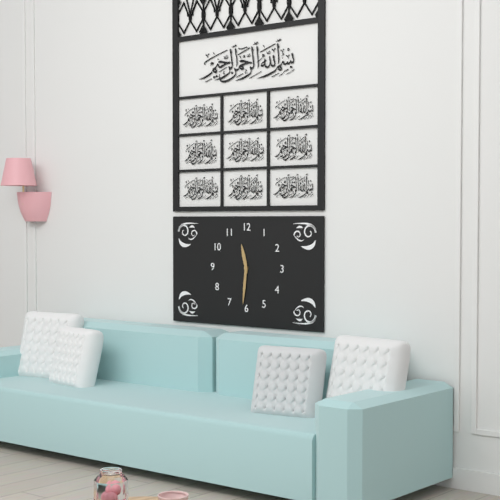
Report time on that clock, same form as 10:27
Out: 11:31
